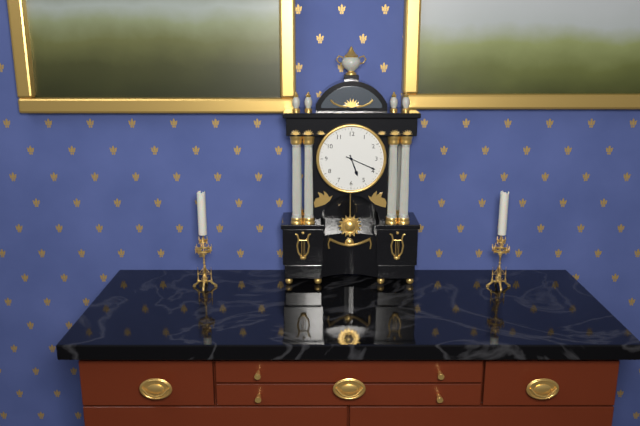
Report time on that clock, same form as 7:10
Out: 5:19
